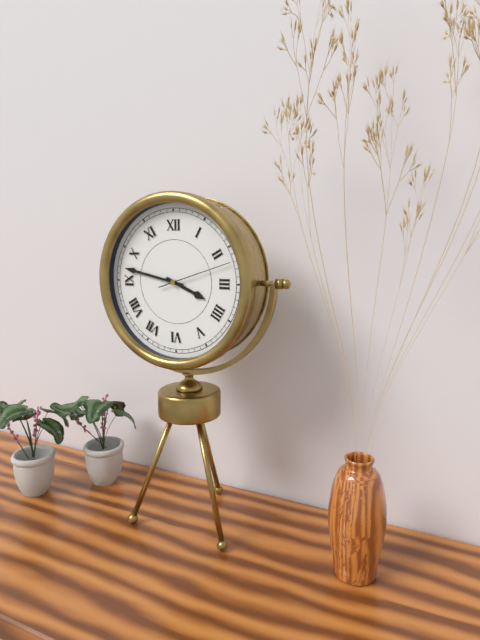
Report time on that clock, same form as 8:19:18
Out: 3:47:12
